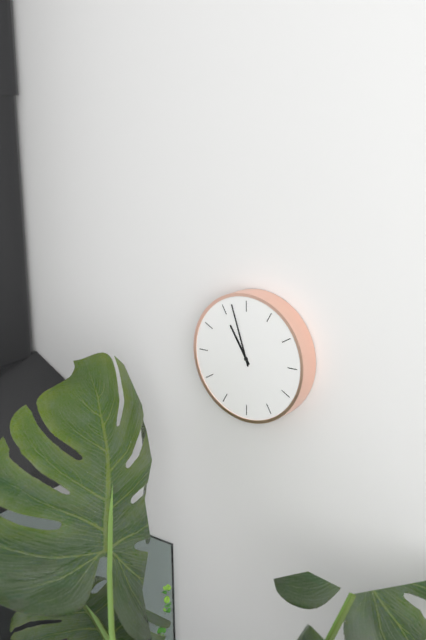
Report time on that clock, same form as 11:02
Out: 10:57
